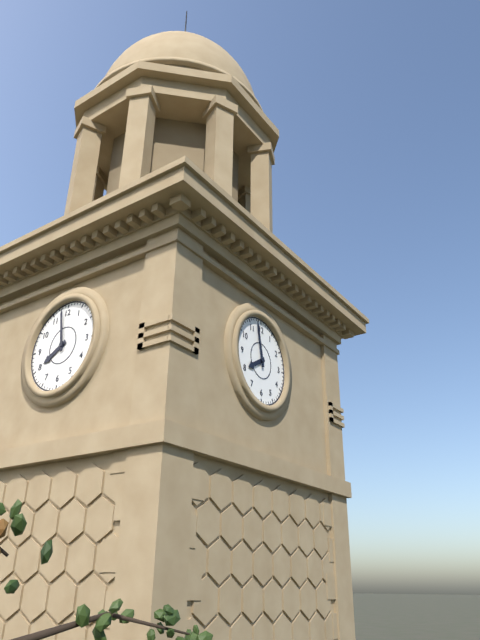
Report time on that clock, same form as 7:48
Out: 7:58
